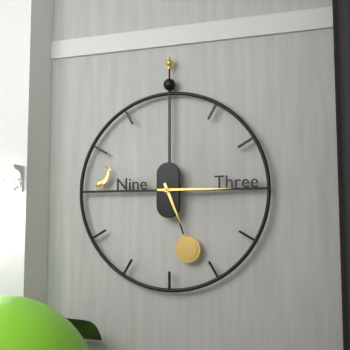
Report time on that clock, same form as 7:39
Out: 5:15
